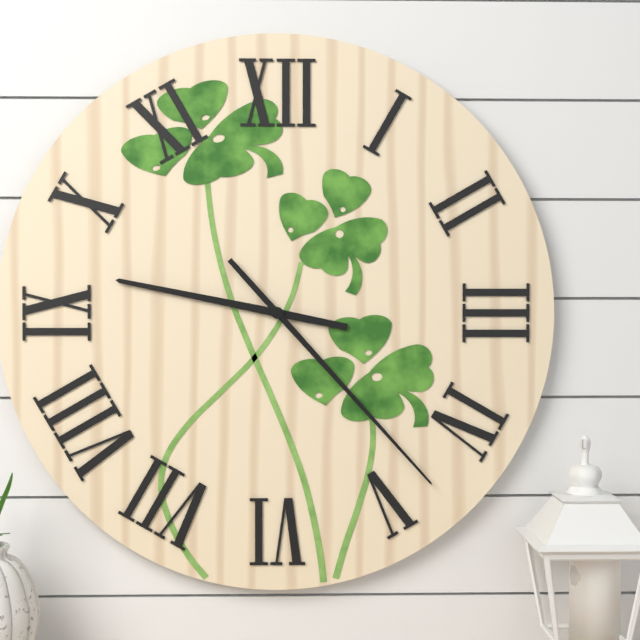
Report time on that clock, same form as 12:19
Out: 9:23
